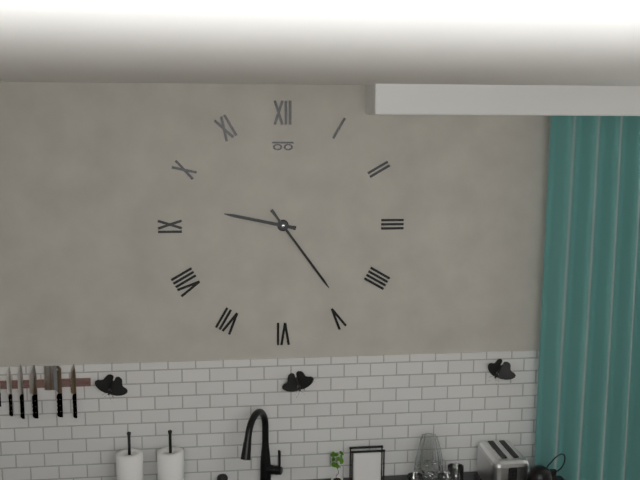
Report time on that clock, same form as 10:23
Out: 9:24
